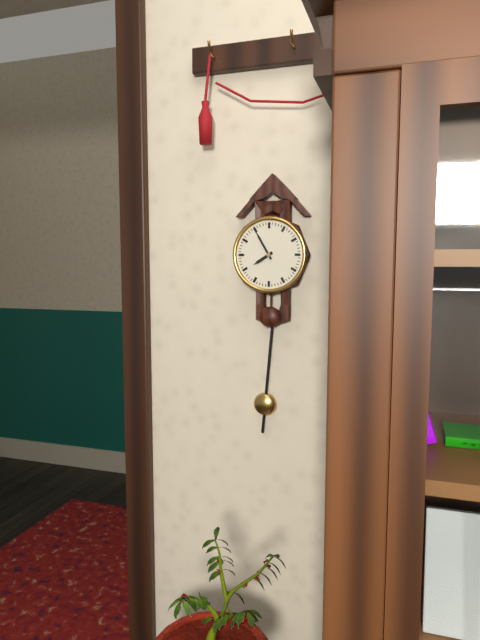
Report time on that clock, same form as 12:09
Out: 7:55
